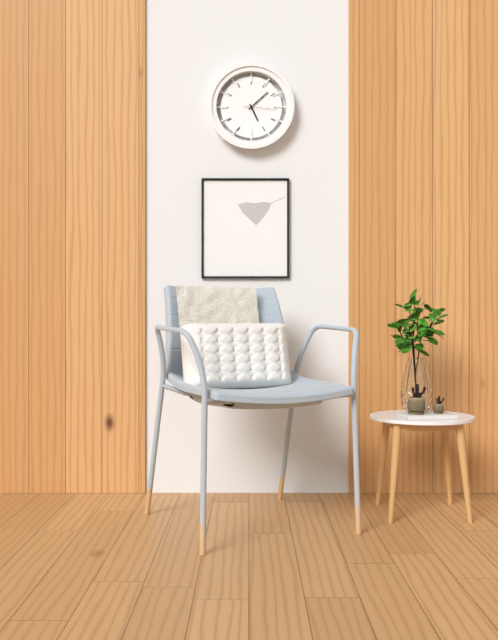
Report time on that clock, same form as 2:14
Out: 5:08
